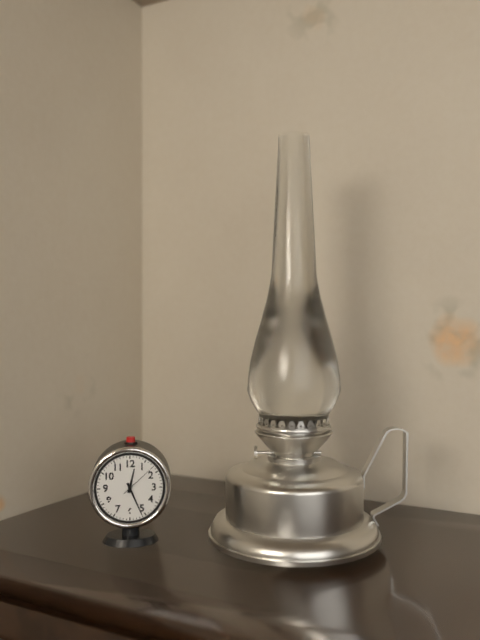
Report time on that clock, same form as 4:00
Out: 12:26
